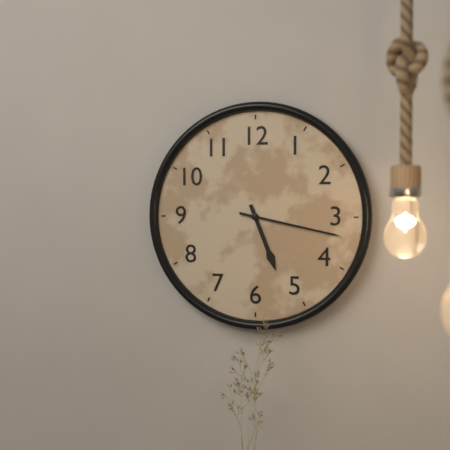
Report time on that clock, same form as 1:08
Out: 5:17
